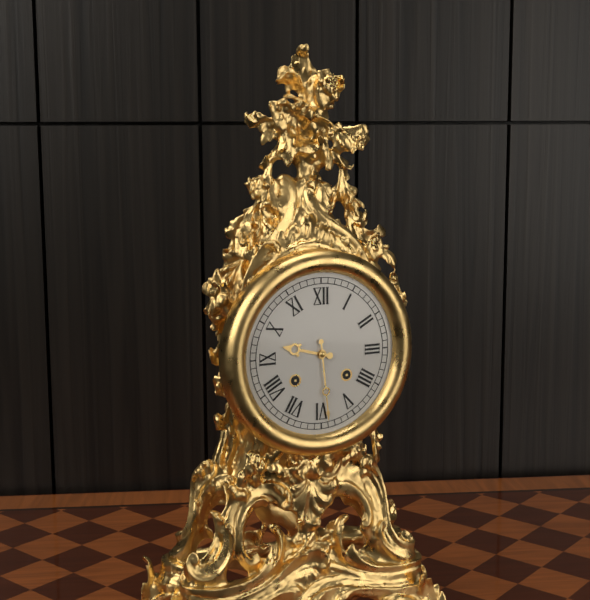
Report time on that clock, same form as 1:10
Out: 9:29
